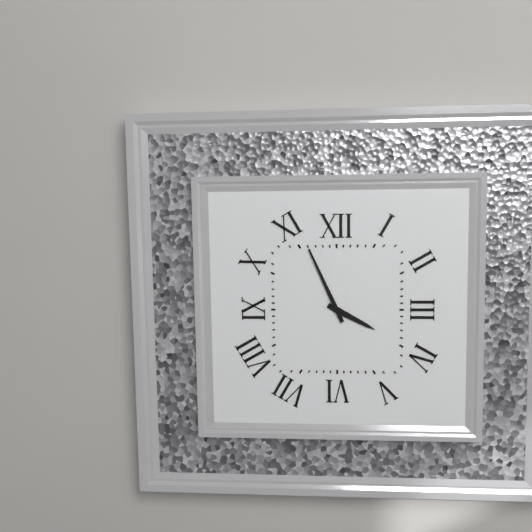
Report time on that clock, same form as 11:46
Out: 3:56
